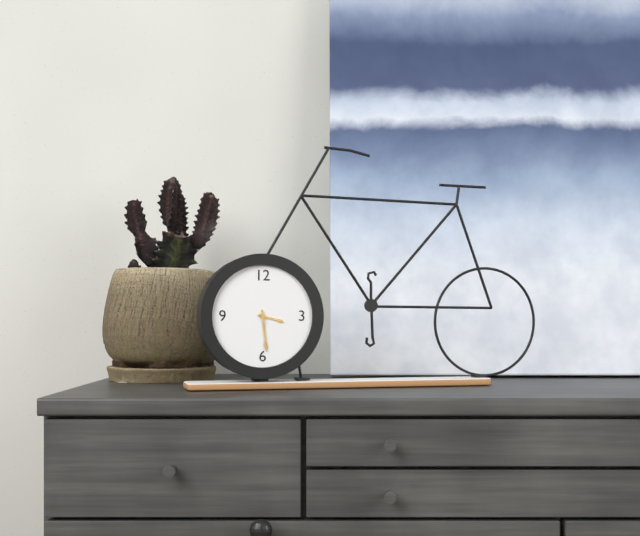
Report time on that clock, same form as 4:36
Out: 3:29
